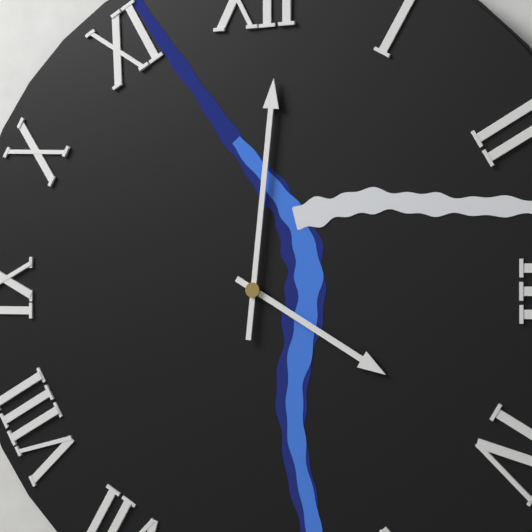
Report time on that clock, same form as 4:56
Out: 4:01
